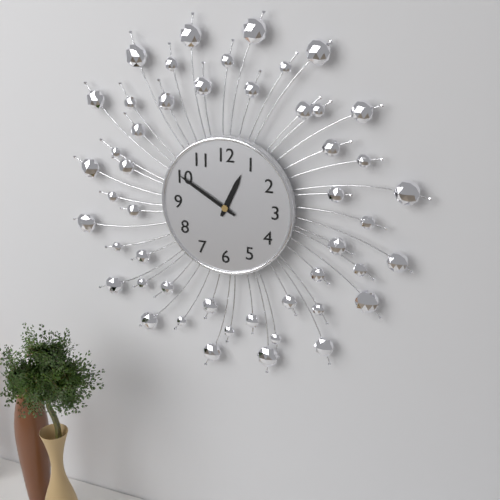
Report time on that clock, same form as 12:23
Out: 12:50
